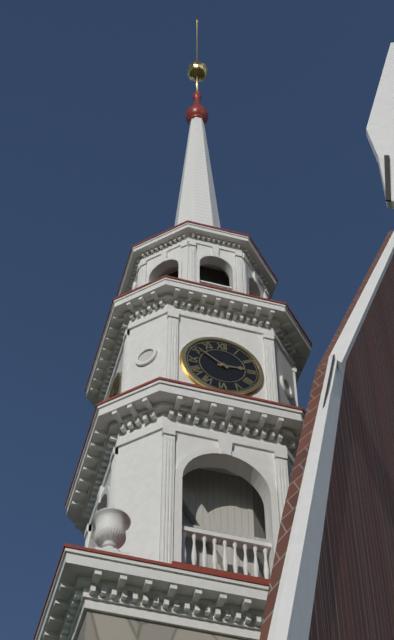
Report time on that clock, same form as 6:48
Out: 2:51
